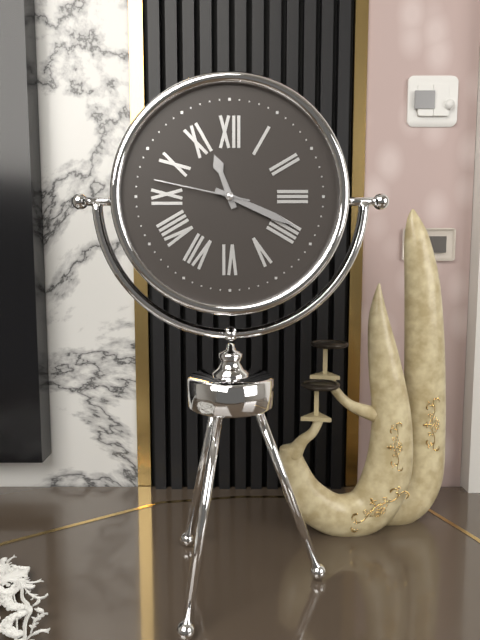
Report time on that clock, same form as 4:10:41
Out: 11:19:47
